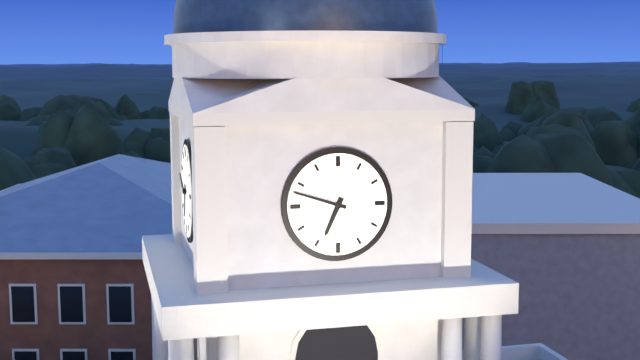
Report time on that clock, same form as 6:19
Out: 6:48
